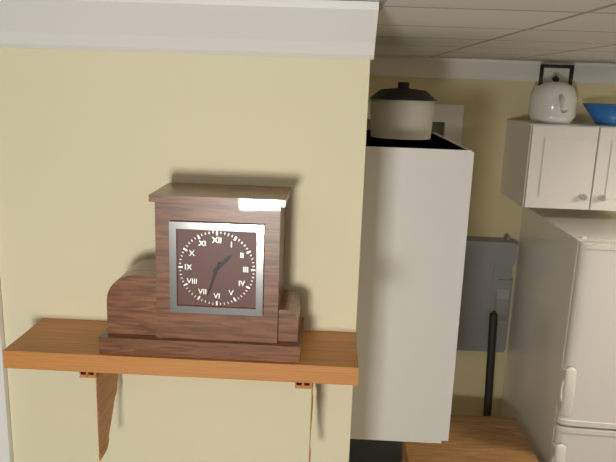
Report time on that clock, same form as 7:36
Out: 1:33
